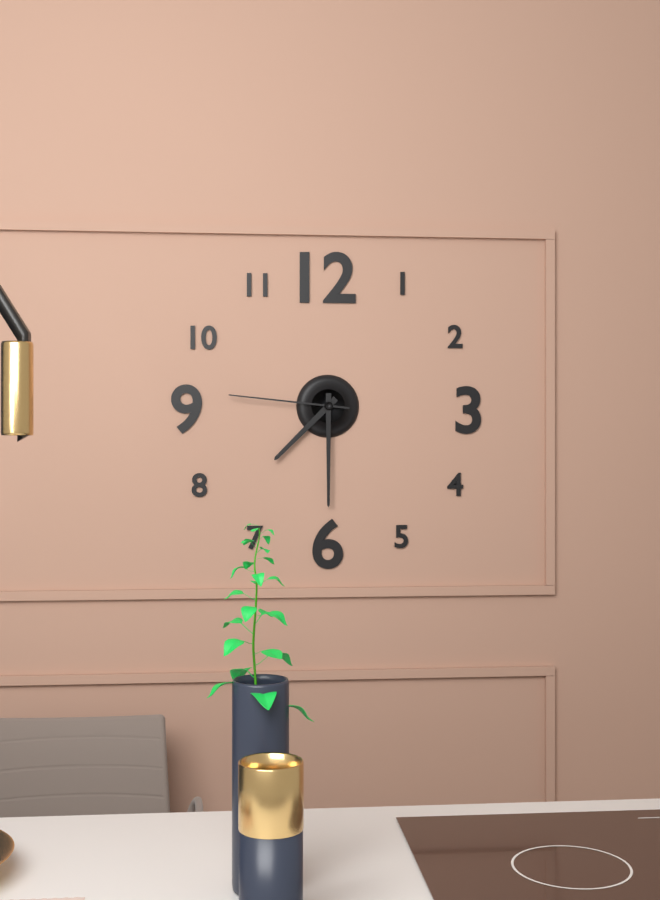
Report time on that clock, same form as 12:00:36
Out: 7:30:46
